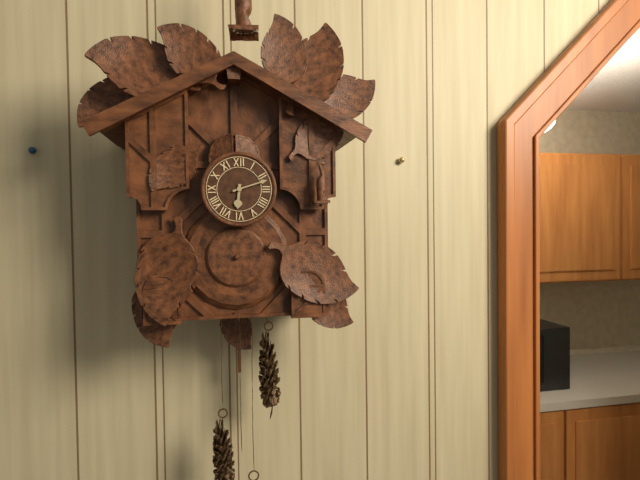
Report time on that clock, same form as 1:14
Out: 6:12
